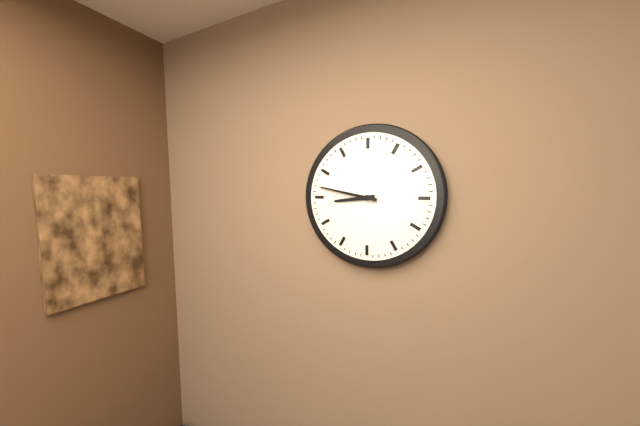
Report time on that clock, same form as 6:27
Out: 8:47
